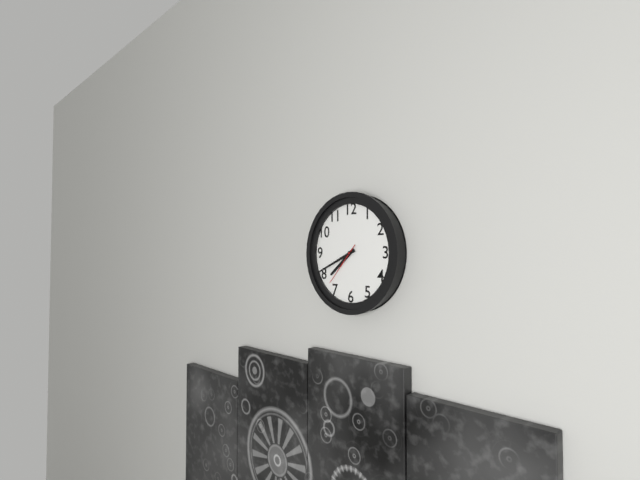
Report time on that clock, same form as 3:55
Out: 7:41
